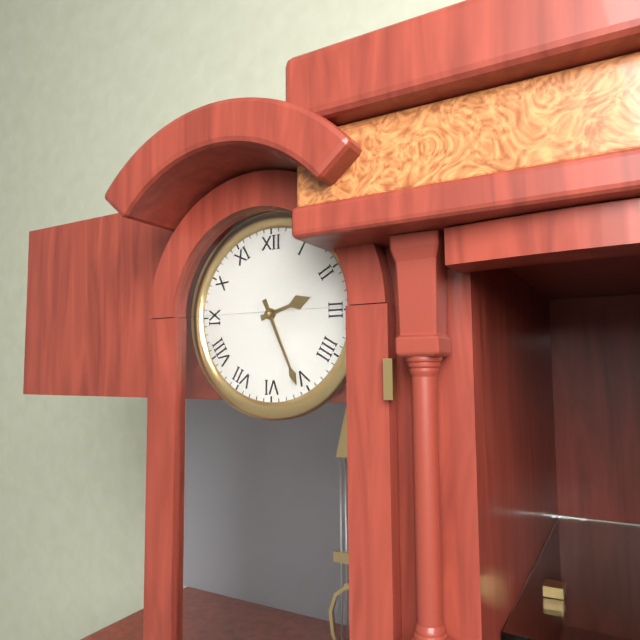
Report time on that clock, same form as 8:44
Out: 2:26
